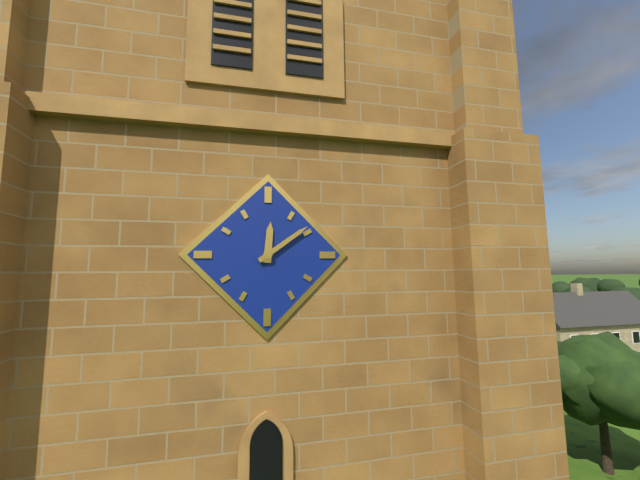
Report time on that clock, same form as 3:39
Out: 12:09
